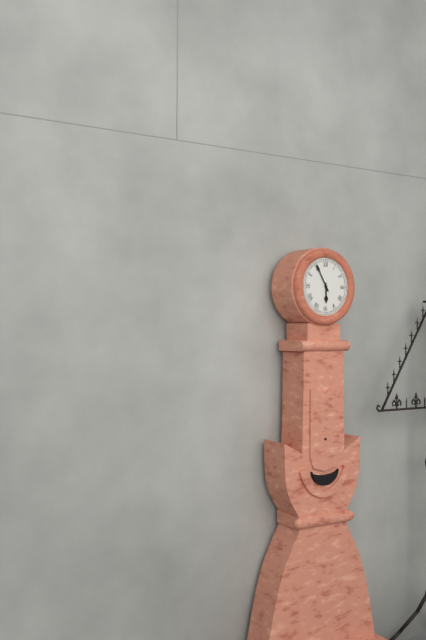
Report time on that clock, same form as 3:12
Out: 5:55
